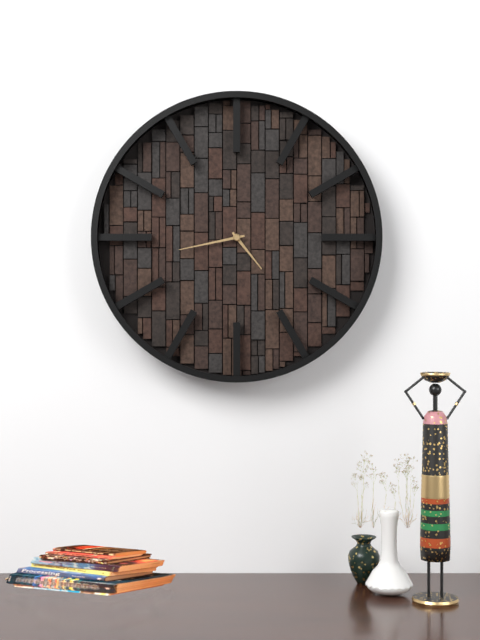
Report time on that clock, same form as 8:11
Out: 4:43
